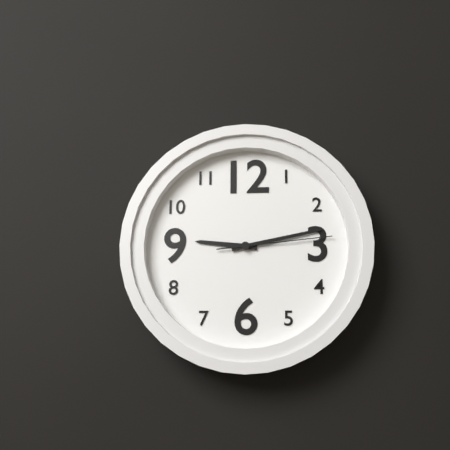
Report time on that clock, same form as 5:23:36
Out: 9:13:14
